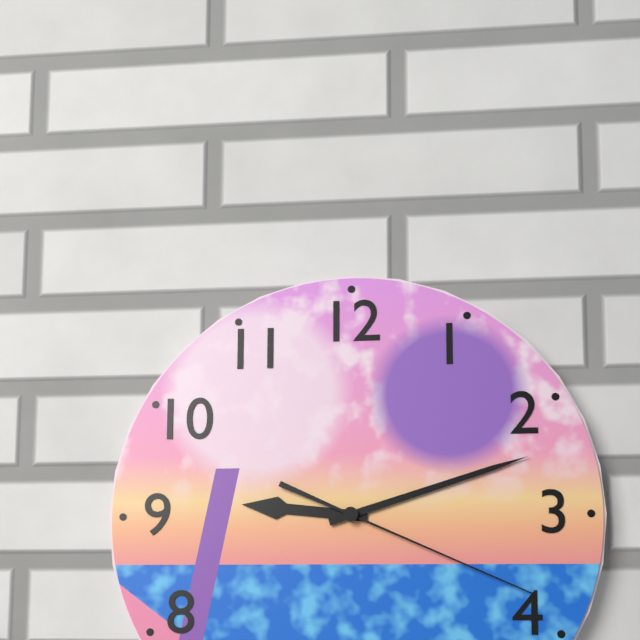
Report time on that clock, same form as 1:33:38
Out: 9:12:19
